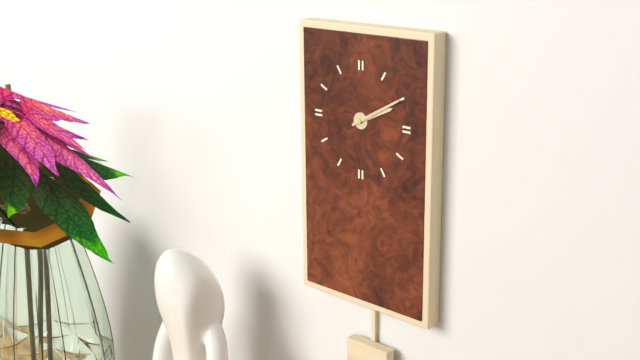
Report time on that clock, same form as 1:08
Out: 2:10
